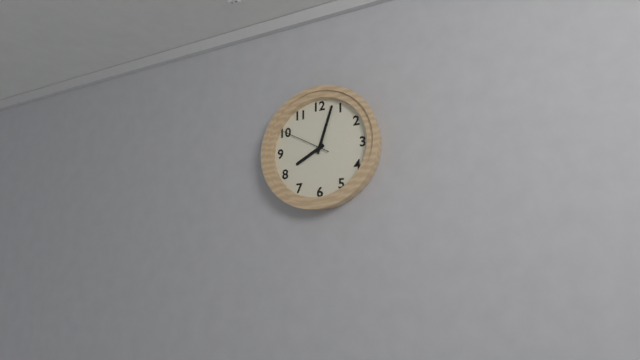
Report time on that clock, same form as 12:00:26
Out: 8:03:50
